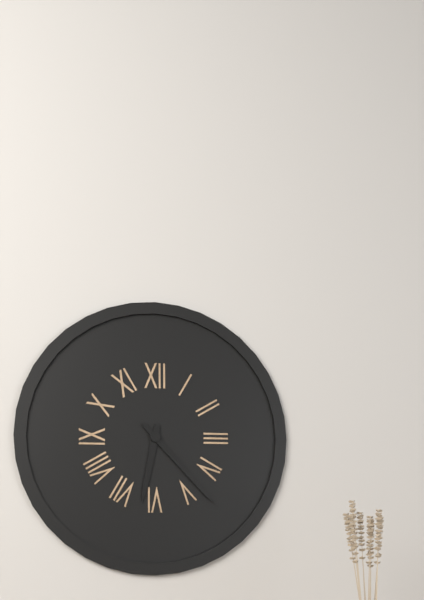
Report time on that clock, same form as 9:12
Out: 6:23
